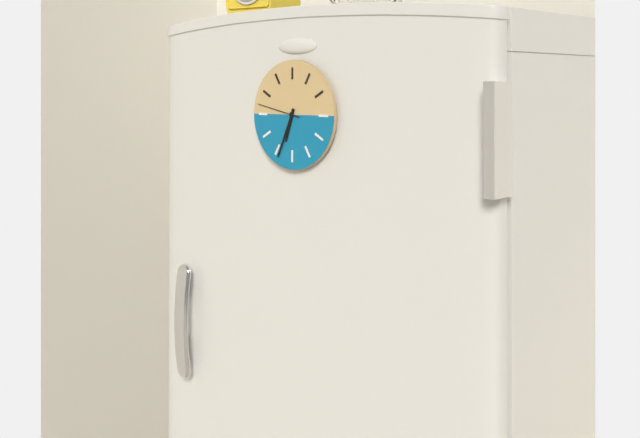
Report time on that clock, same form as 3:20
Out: 6:34
